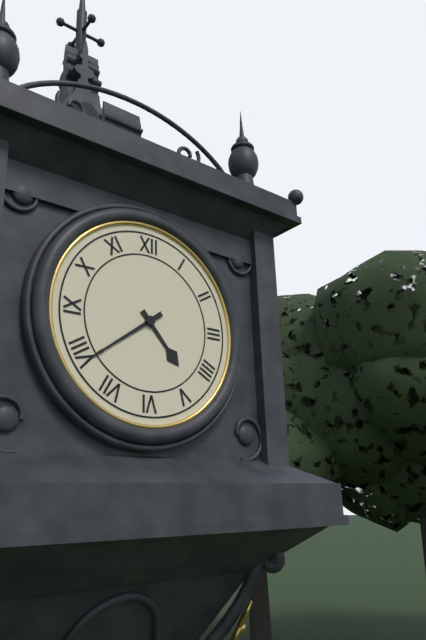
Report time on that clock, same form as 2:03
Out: 4:39
